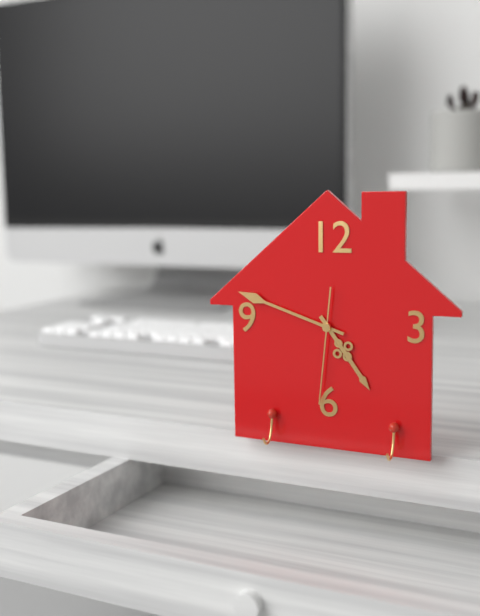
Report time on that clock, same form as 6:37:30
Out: 4:48:31
